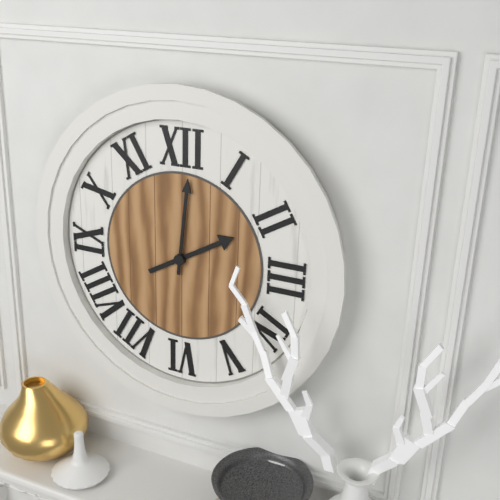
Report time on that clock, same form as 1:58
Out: 2:01
